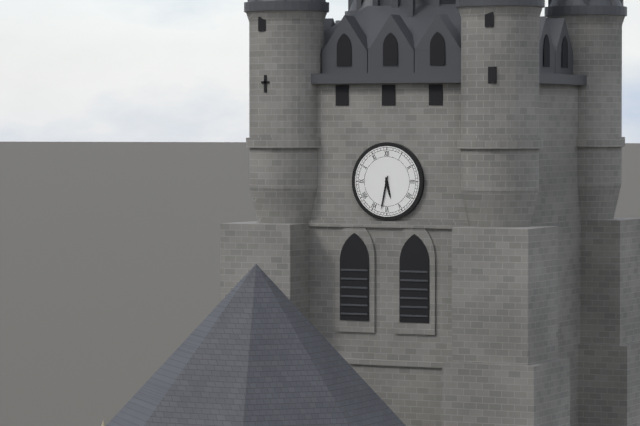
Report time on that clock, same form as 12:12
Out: 5:32
